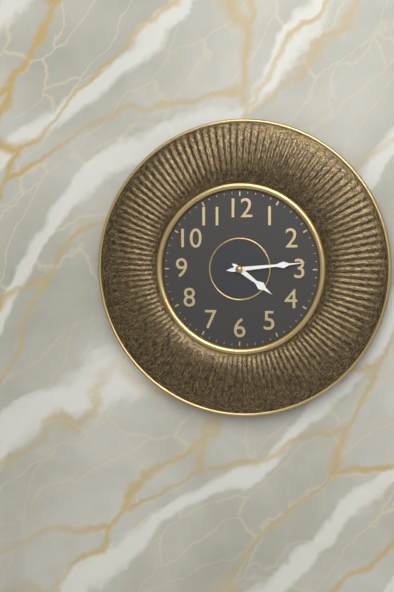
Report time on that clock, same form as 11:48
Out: 4:14
